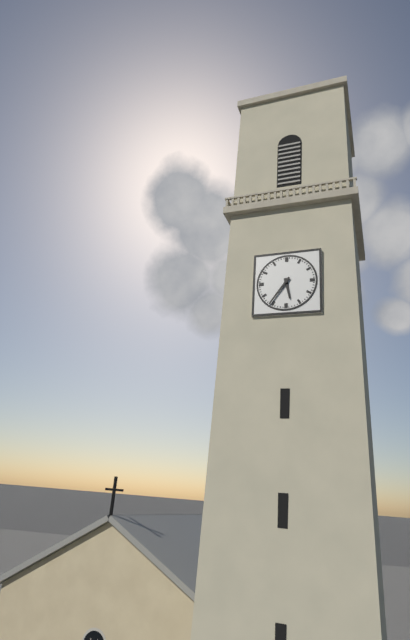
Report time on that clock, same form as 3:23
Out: 5:36
